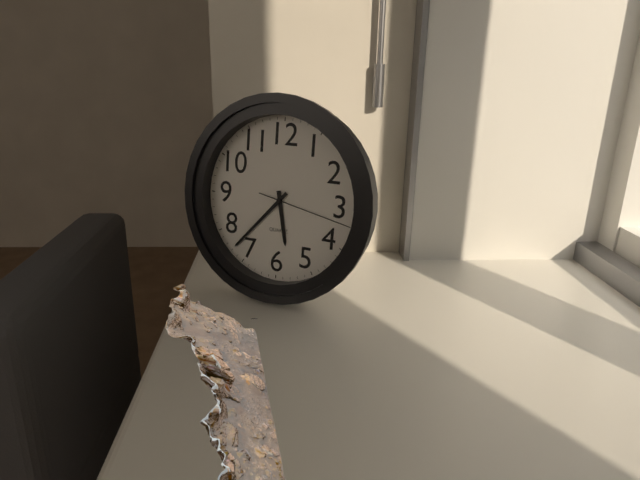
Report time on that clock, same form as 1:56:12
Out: 5:37:17
